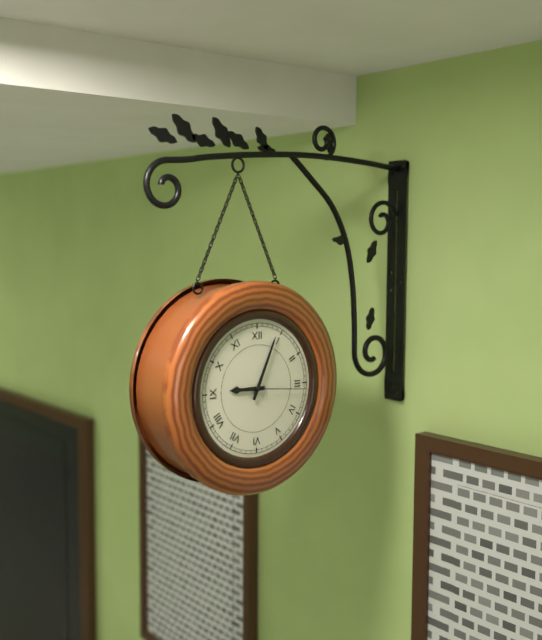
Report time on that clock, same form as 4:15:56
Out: 9:04:16
